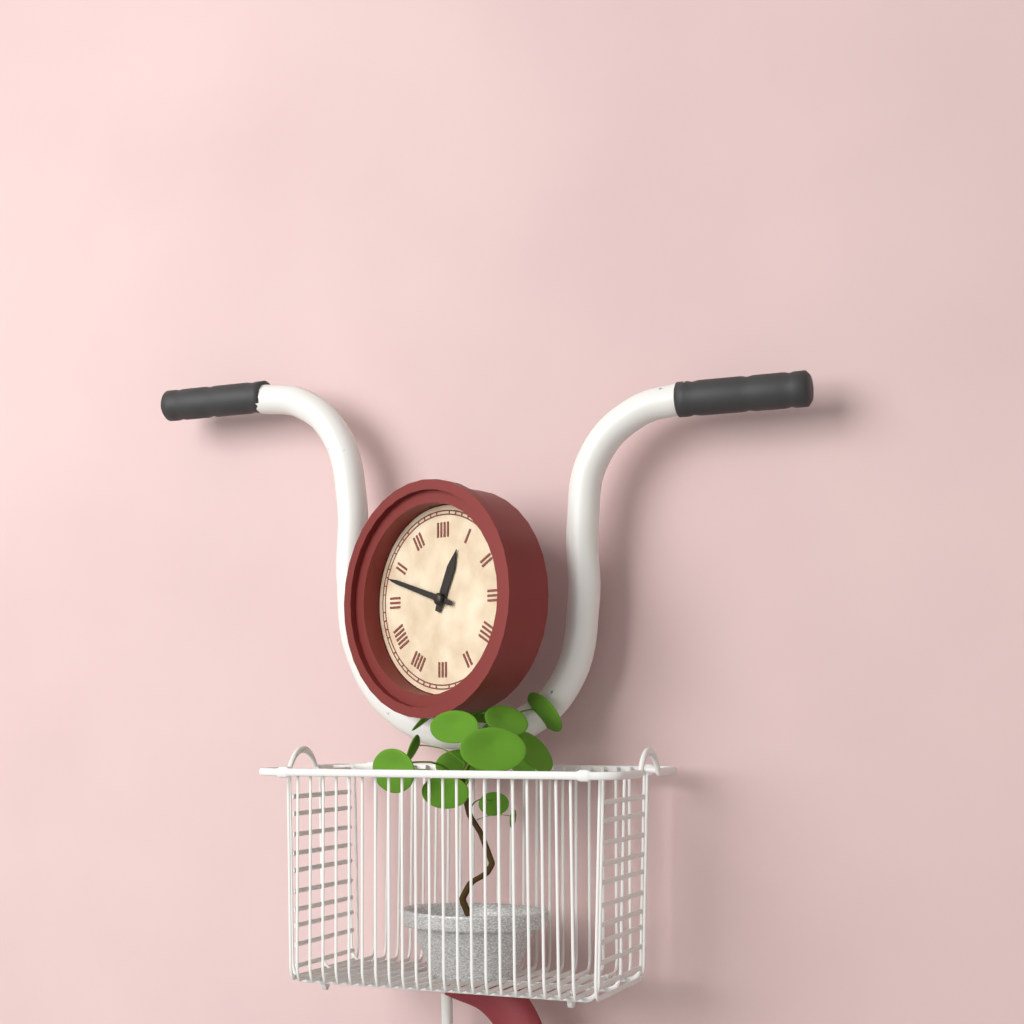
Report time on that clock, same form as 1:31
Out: 12:48
